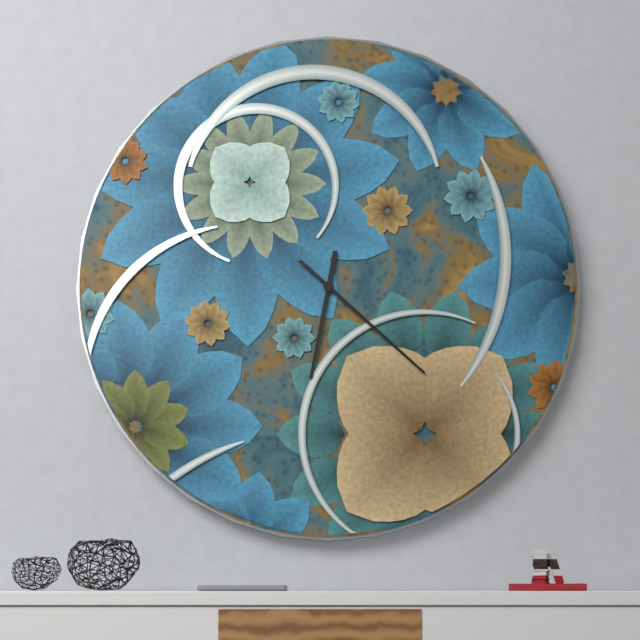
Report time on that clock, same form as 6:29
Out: 6:22
